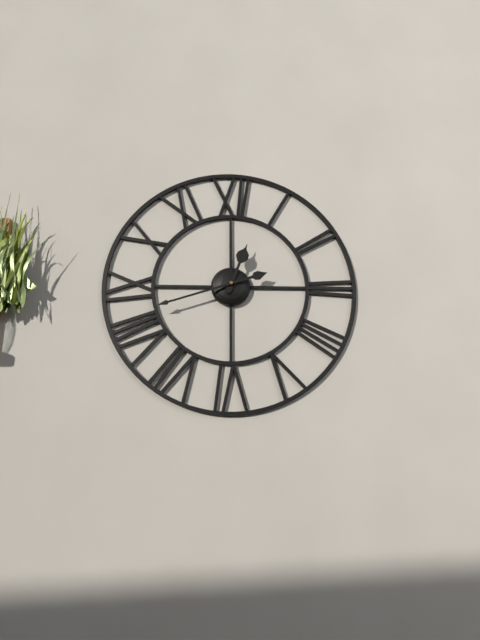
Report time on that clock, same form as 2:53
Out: 12:42
